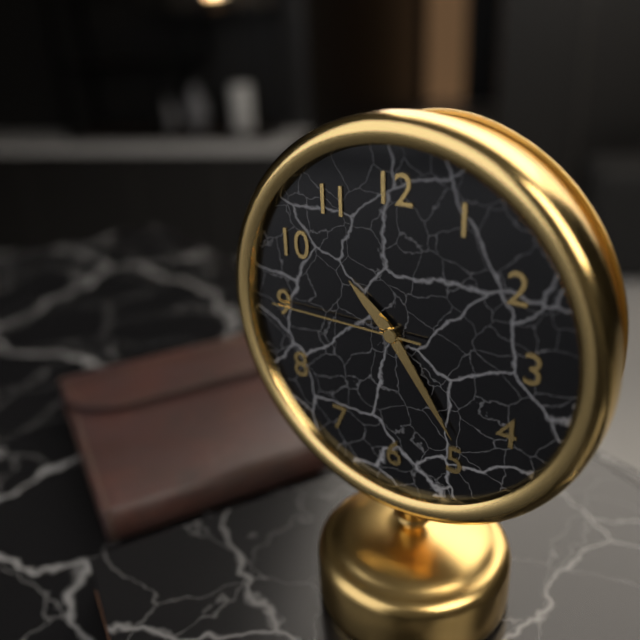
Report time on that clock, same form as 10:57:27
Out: 10:24:45
